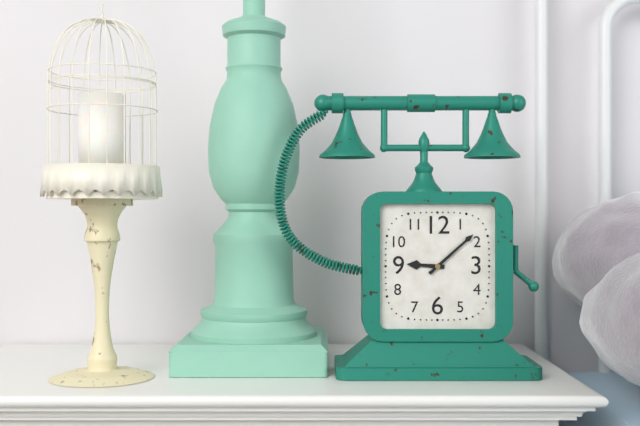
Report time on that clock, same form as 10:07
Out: 9:08
